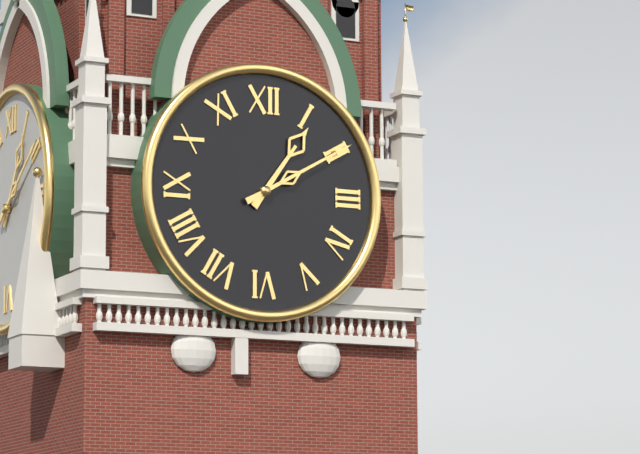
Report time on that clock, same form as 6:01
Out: 1:10
